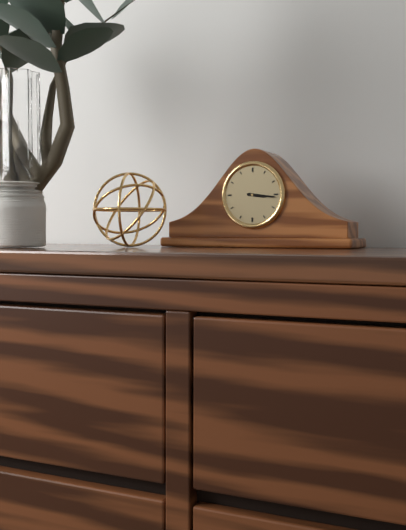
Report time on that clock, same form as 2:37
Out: 3:16
